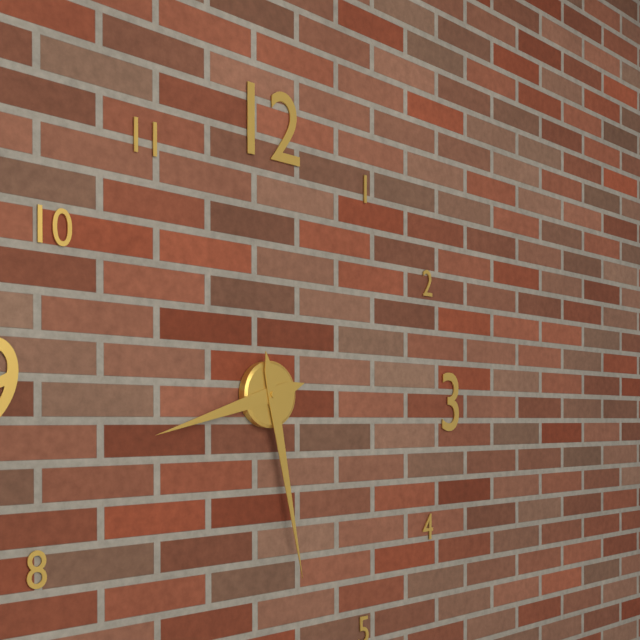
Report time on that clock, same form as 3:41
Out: 8:28
